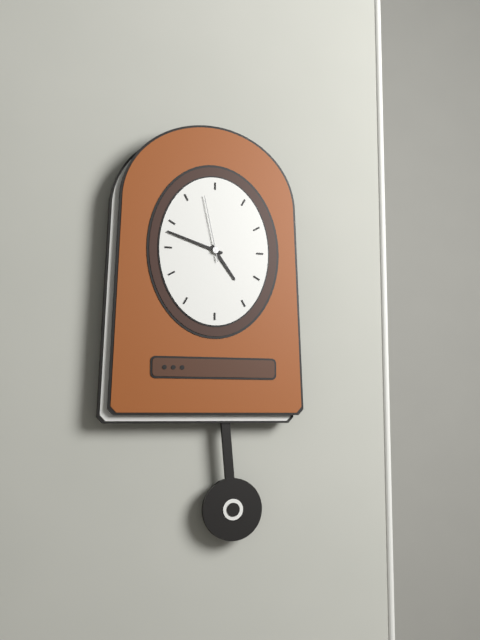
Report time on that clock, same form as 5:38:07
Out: 4:48:58
